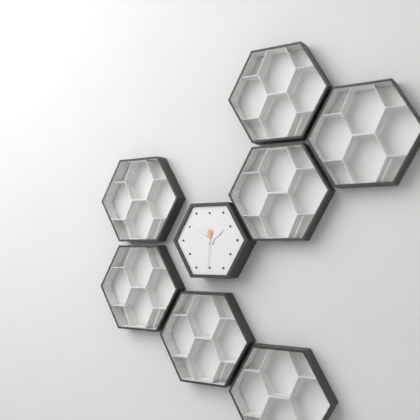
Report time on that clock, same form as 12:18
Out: 1:50
